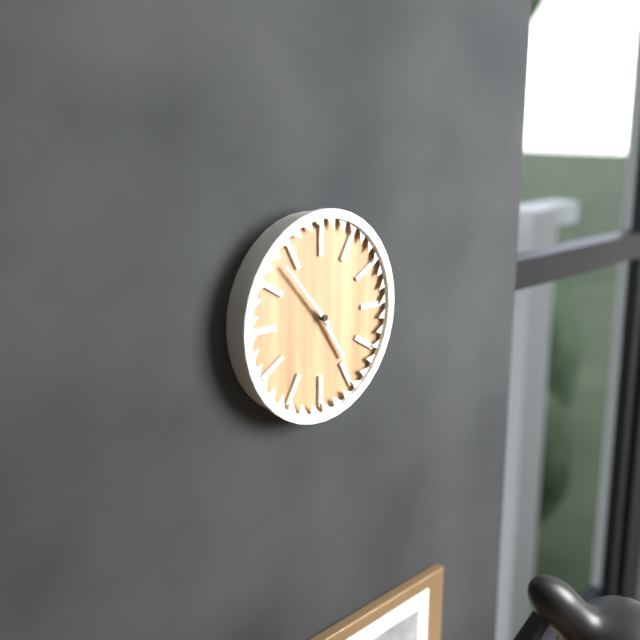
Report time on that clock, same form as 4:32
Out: 4:53
